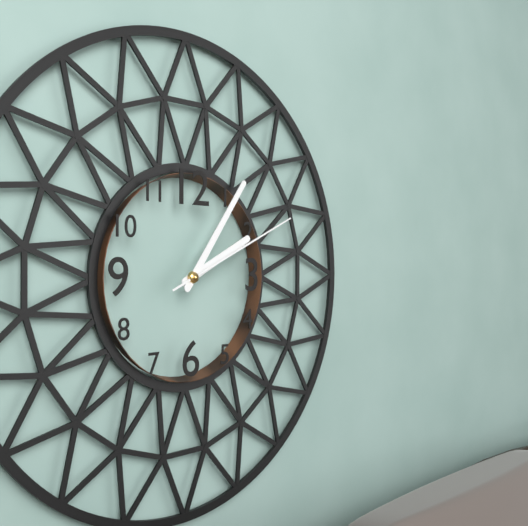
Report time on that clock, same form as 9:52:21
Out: 2:06:11
